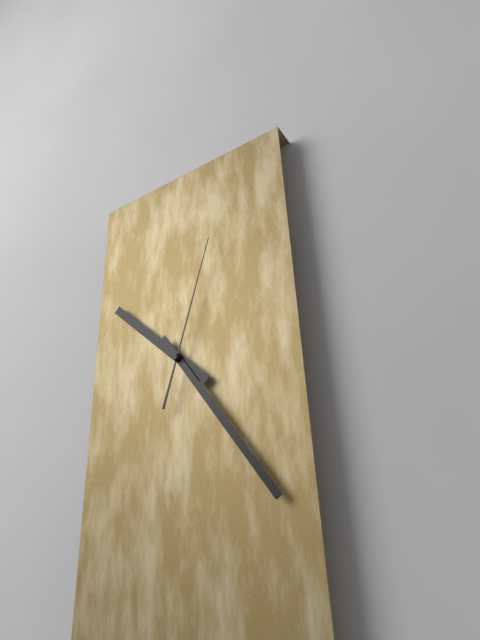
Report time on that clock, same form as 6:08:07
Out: 10:24:03
